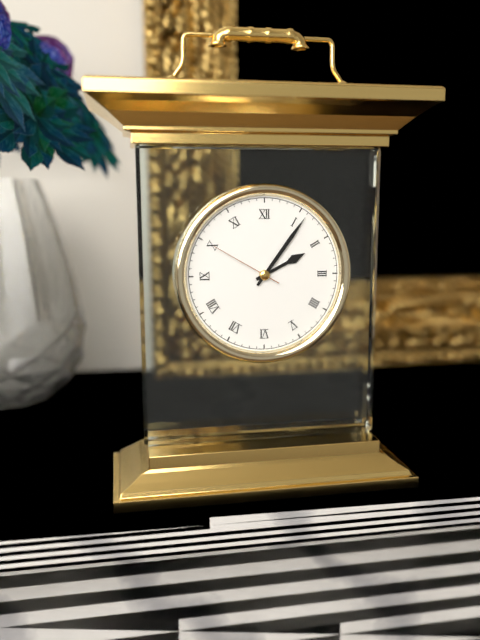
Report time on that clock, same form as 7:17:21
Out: 2:06:50
